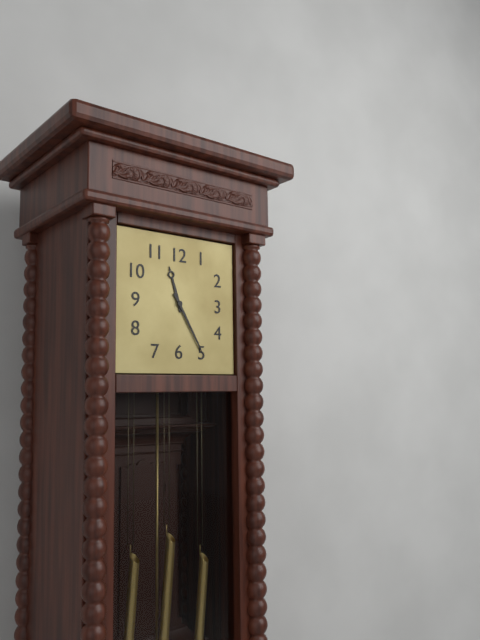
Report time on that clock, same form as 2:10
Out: 11:25
